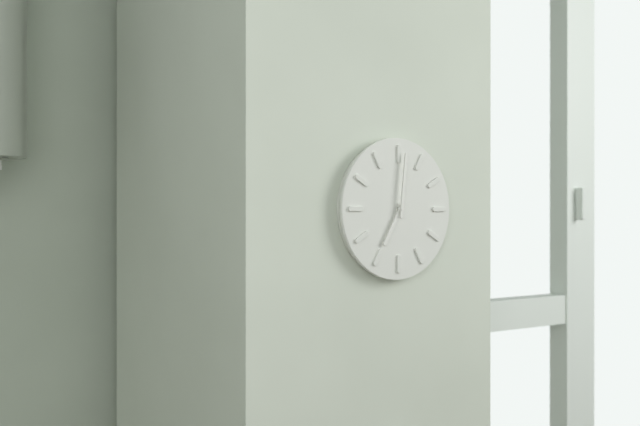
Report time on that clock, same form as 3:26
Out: 7:01
